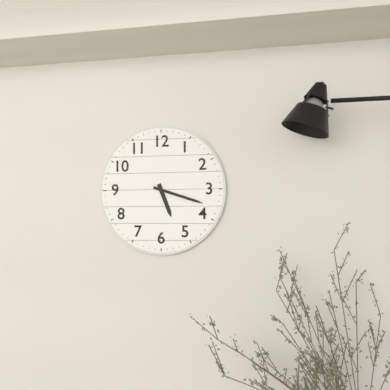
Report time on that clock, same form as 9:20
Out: 5:18
